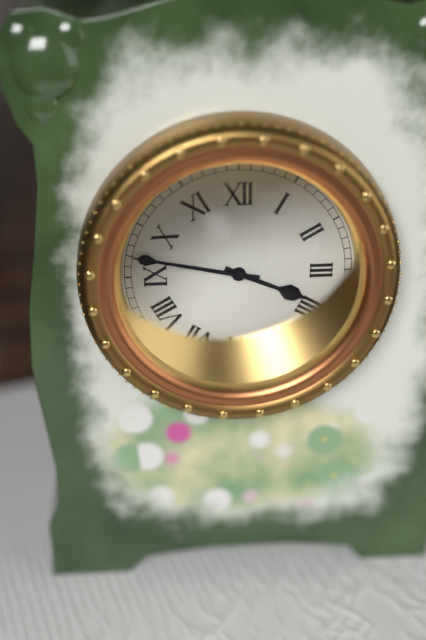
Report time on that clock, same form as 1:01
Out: 3:47
